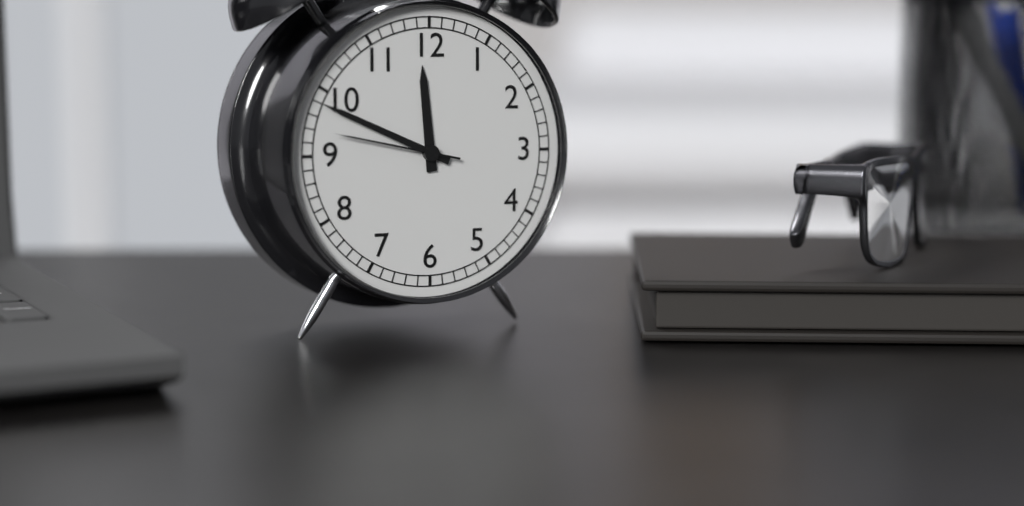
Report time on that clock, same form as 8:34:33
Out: 11:49:47
